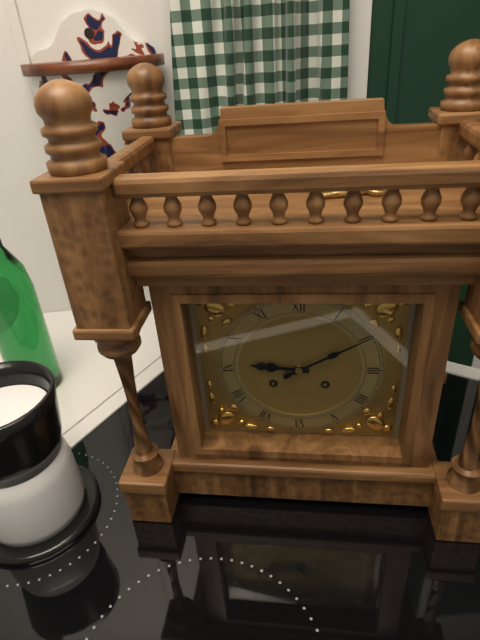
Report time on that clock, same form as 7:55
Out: 9:10
